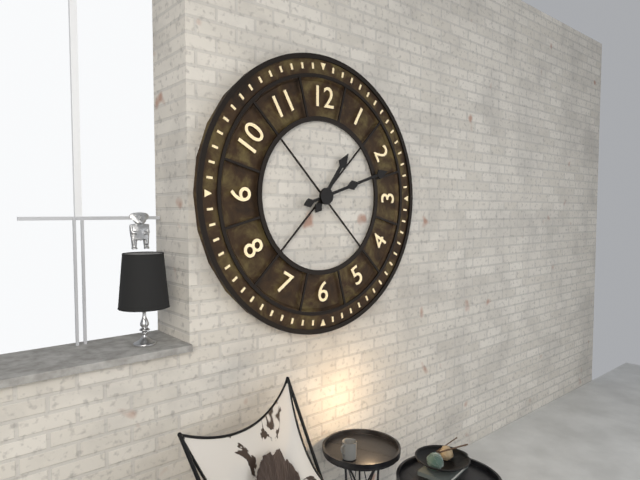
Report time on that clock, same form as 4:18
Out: 1:12
